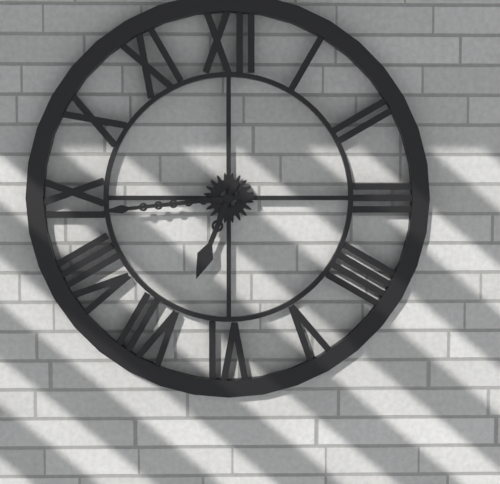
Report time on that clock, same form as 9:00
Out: 6:44
